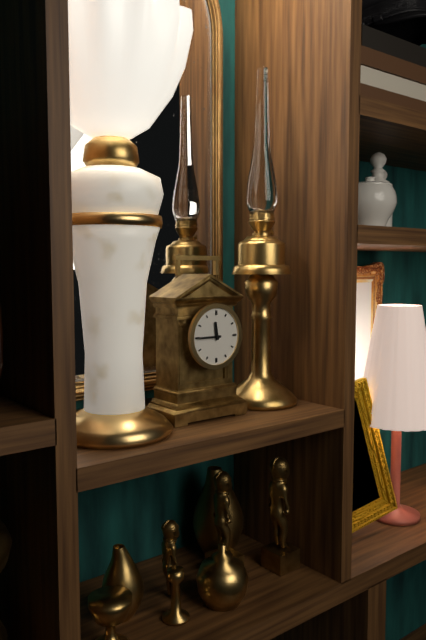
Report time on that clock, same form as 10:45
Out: 11:45
